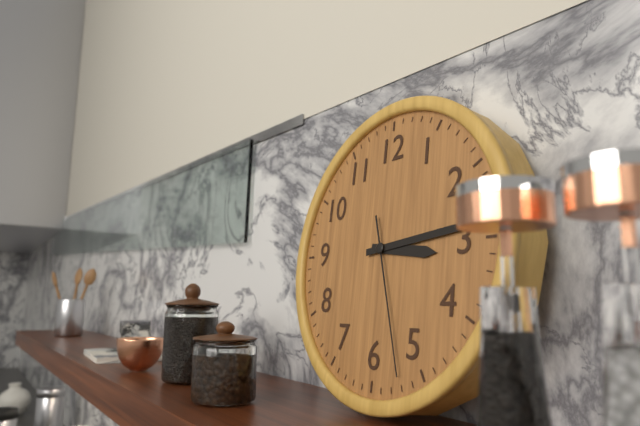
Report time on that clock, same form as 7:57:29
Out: 3:14:27
